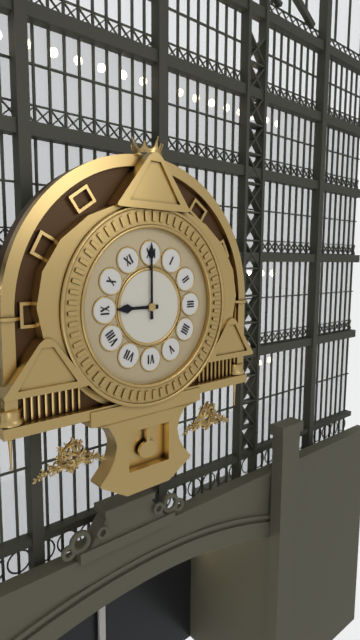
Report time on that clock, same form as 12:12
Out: 9:00
